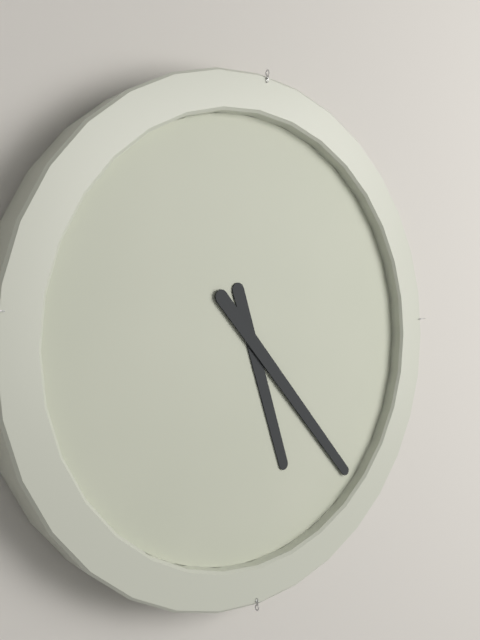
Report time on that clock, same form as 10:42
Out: 5:23
